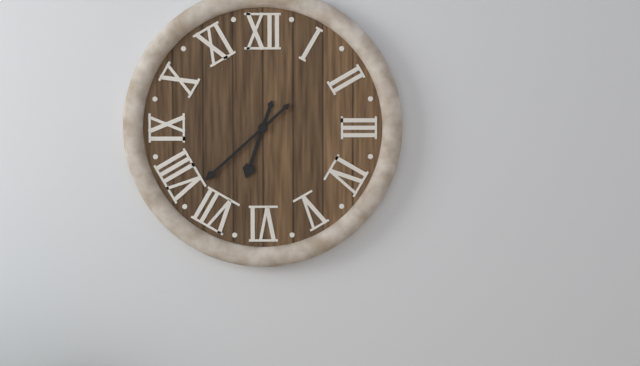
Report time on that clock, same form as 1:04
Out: 6:38
